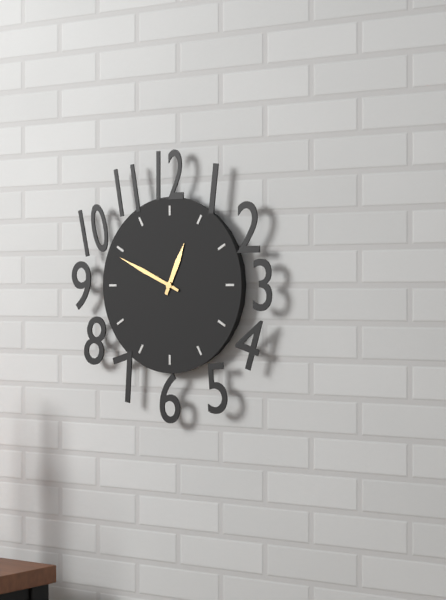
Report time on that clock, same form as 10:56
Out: 12:49
